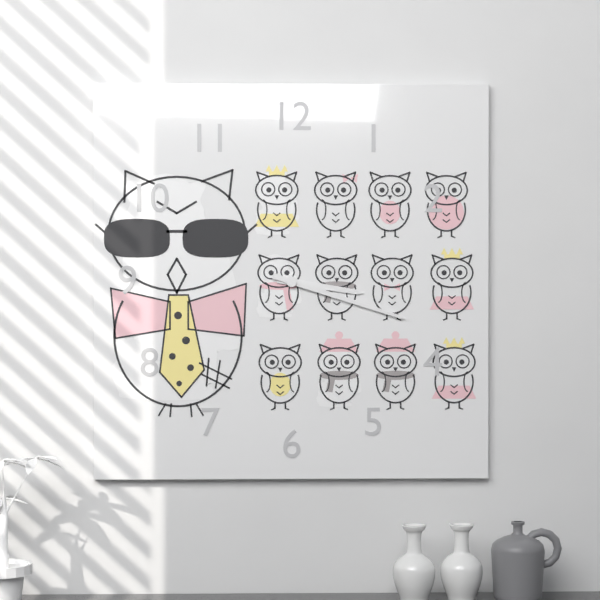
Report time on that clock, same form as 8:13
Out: 3:18
